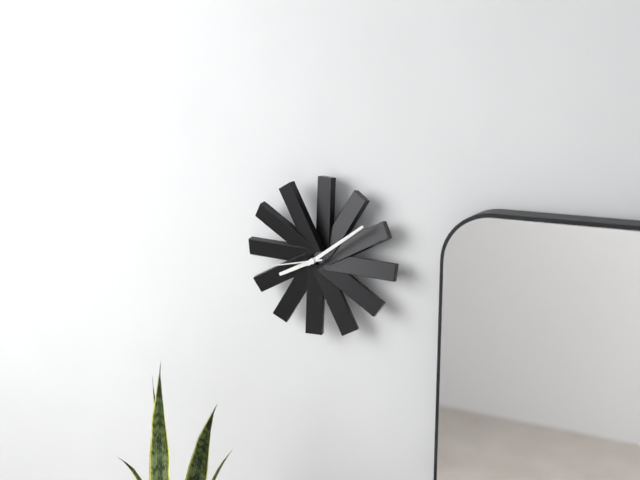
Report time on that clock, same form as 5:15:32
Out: 8:09:43
